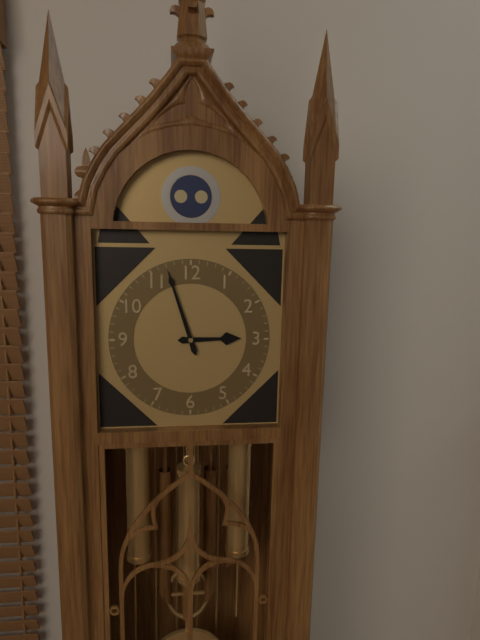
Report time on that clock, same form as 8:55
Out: 2:57
